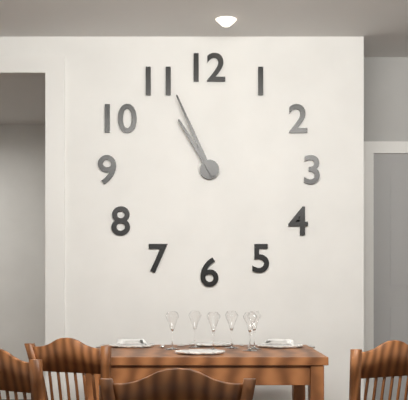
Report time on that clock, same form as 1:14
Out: 10:56
